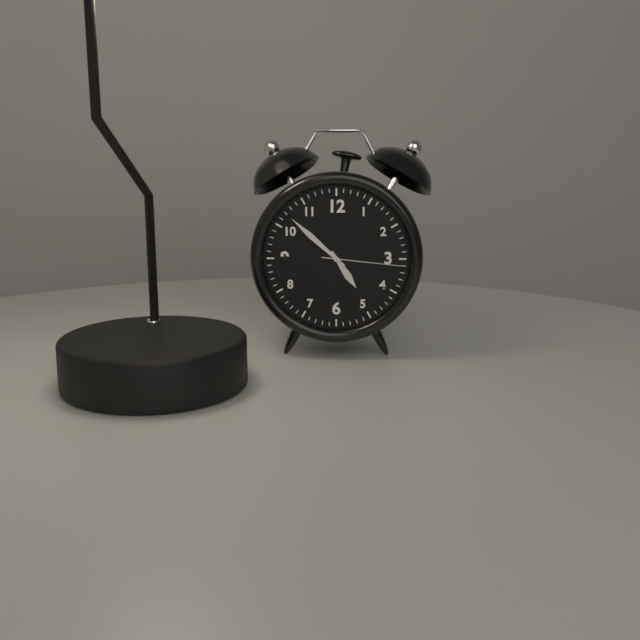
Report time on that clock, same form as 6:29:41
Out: 4:52:16
